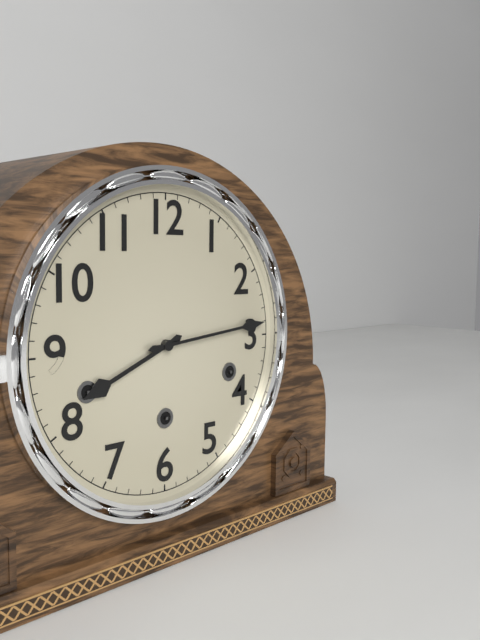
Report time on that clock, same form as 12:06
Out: 8:14
